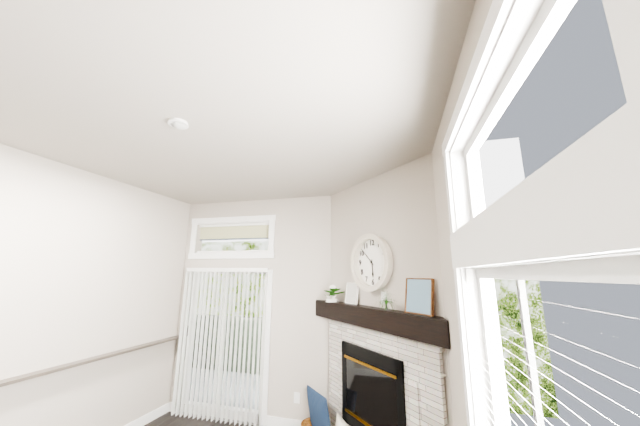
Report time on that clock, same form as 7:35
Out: 5:52
